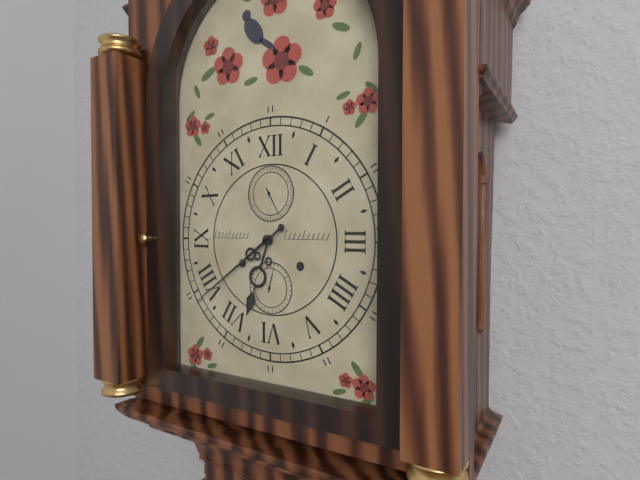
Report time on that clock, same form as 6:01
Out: 6:39
